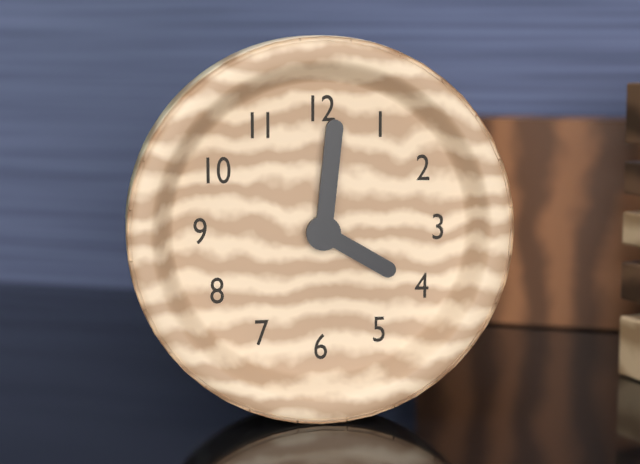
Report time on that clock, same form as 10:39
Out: 4:01
